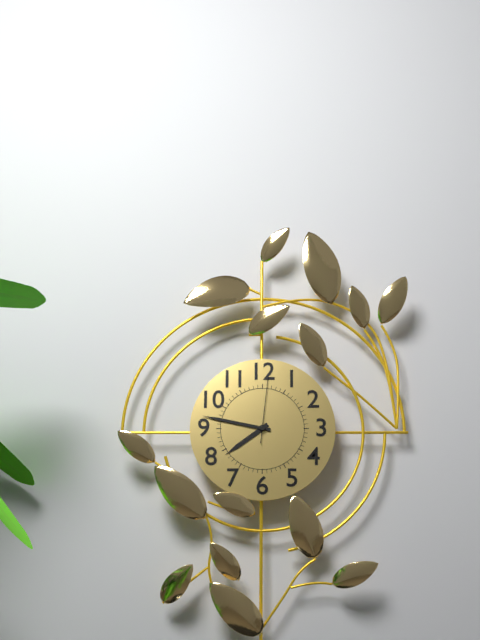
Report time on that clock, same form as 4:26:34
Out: 7:47:01
